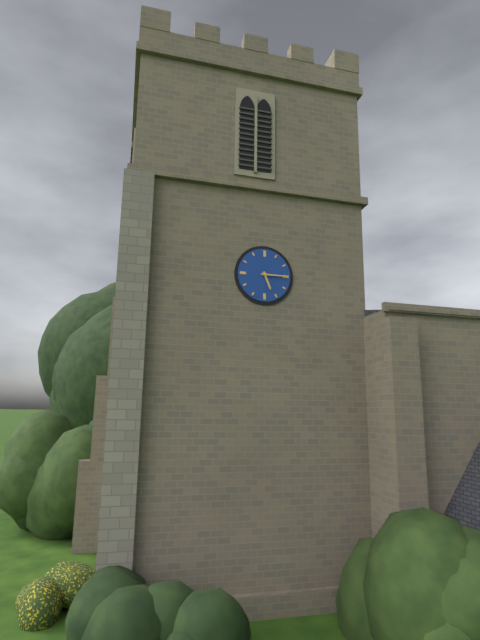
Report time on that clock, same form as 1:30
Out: 5:15
